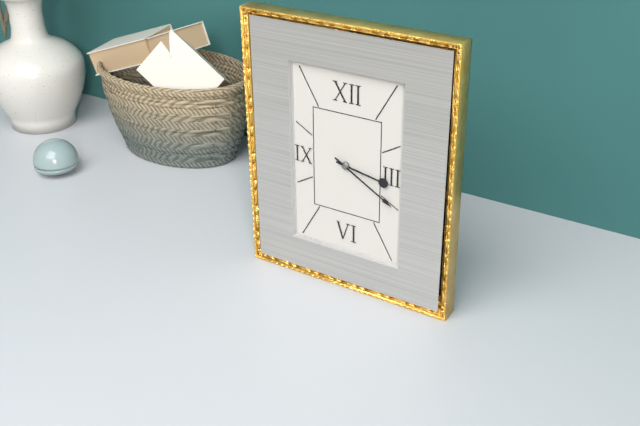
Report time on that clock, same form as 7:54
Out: 3:20
